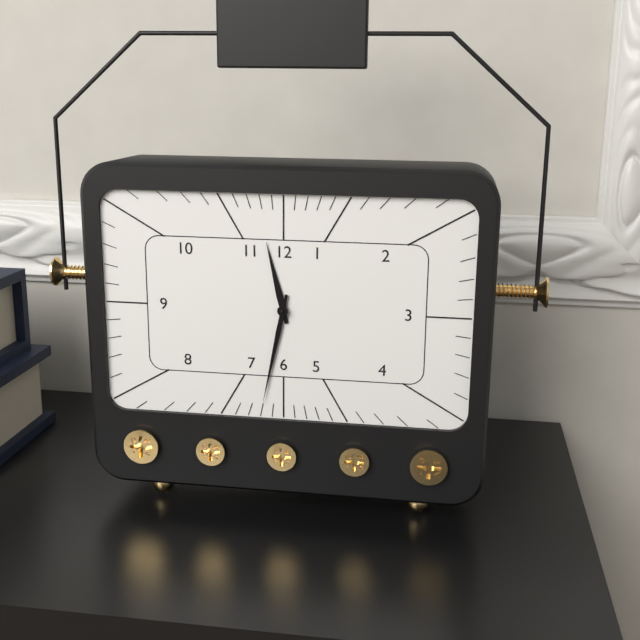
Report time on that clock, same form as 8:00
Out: 11:32
